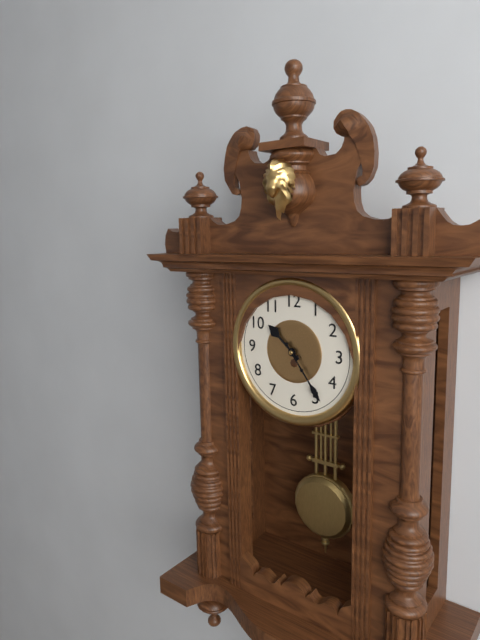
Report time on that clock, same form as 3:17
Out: 10:24
